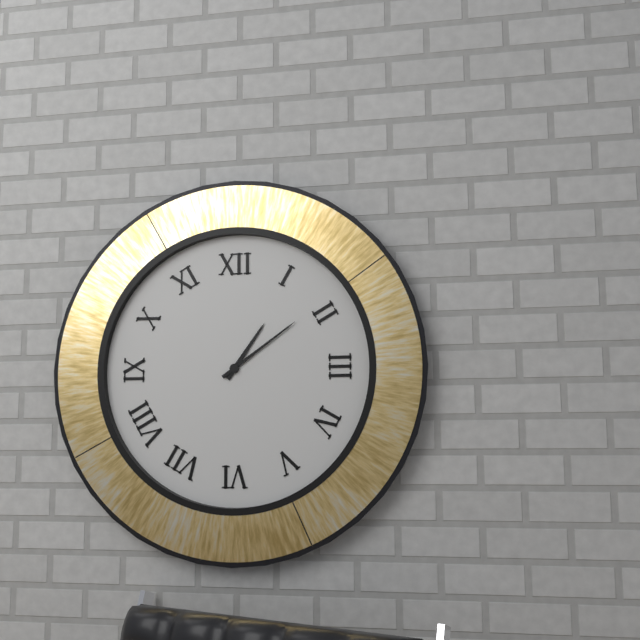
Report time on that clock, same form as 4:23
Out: 1:09
